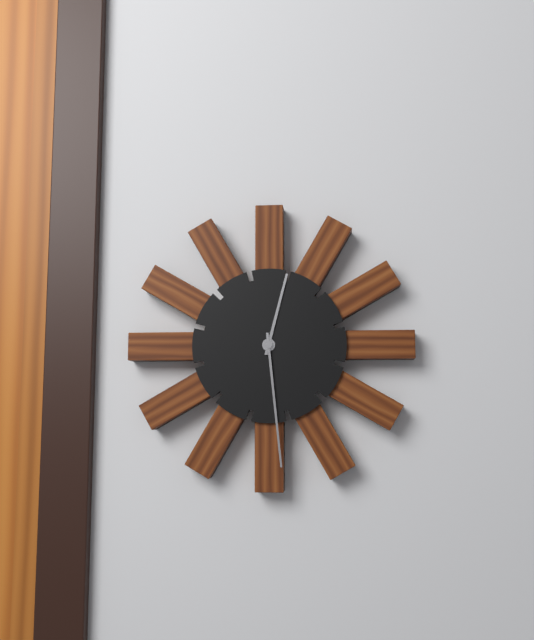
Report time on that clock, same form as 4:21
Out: 12:29
